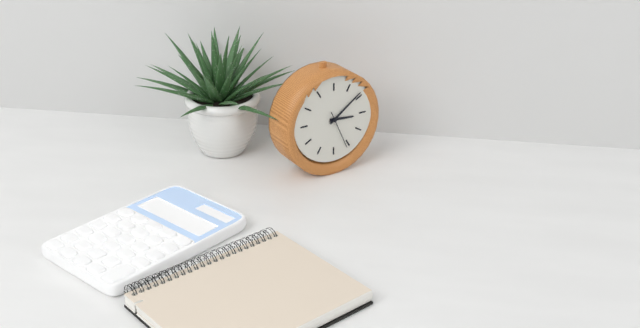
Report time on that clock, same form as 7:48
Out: 3:09
